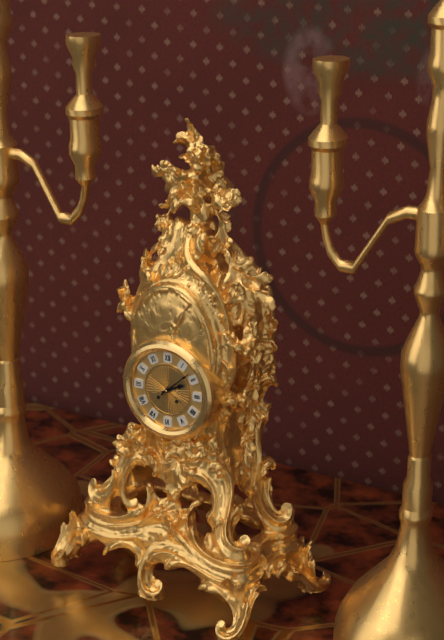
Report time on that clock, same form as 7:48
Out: 2:08
